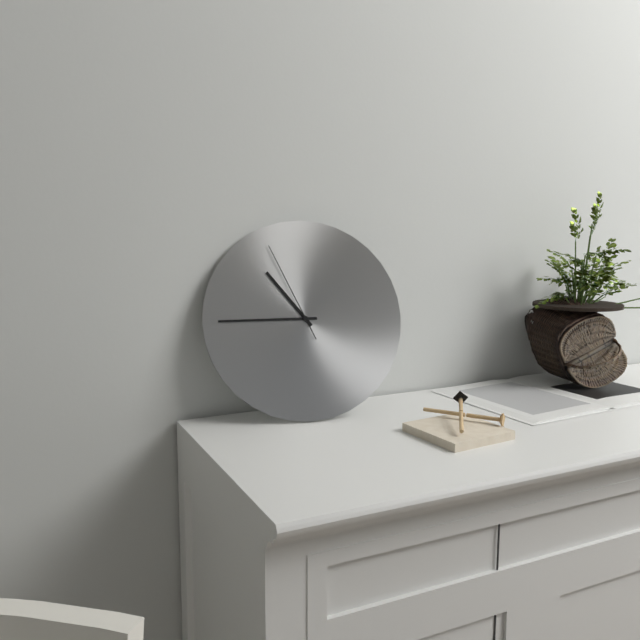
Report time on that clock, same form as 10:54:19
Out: 10:45:56
